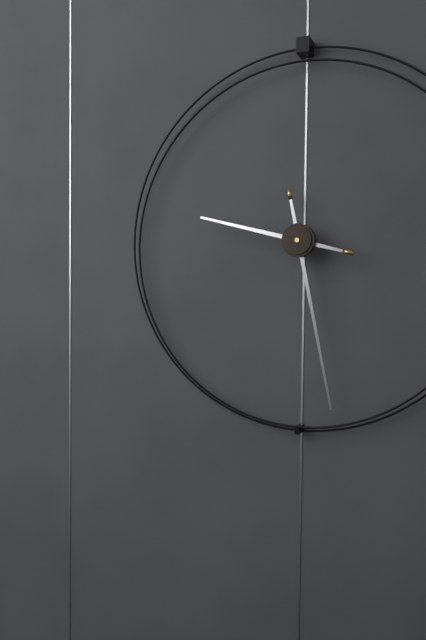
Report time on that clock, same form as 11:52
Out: 9:28
